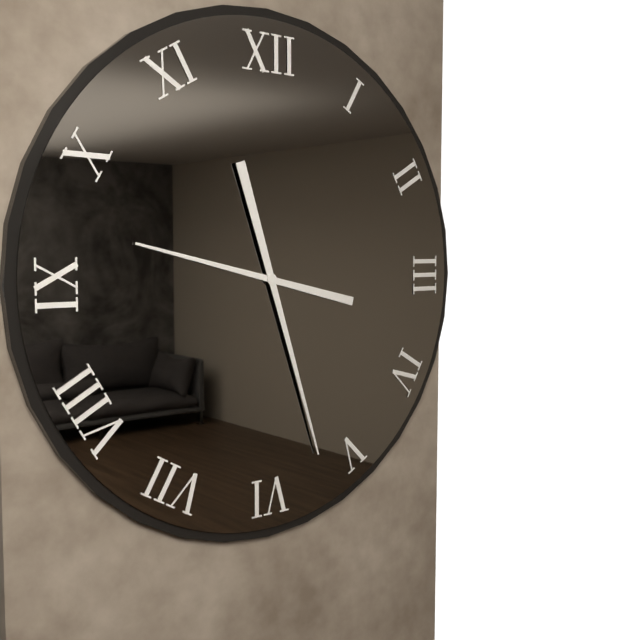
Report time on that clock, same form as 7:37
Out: 9:27
